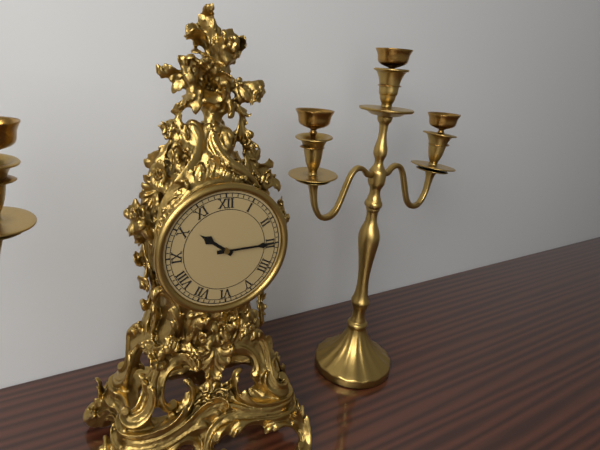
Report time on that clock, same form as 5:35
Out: 10:15
